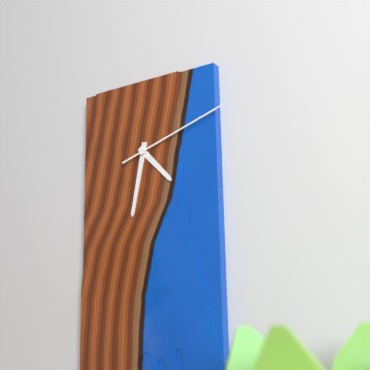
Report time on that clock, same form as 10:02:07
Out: 4:32:12
